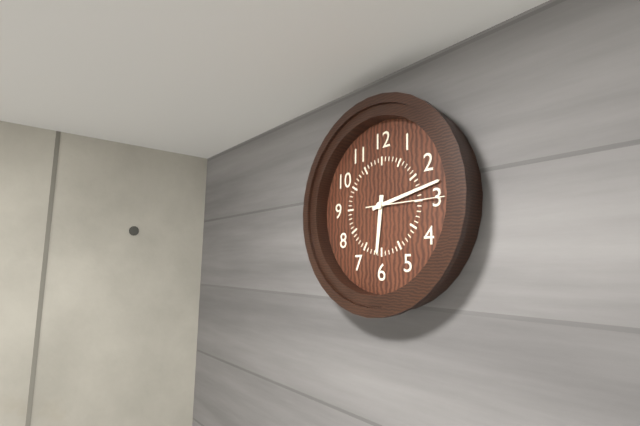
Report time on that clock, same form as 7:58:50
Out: 6:13:15
